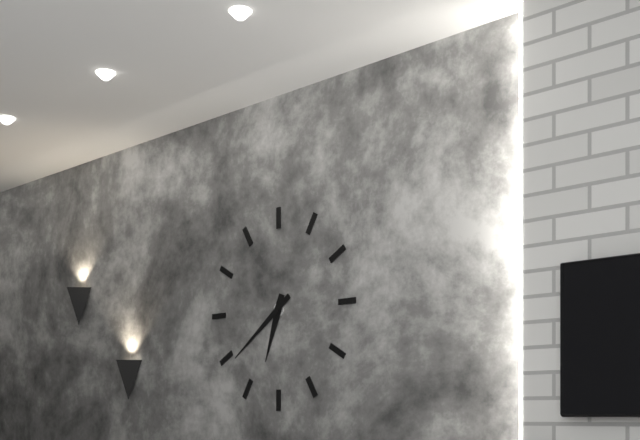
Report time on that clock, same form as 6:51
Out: 6:39
